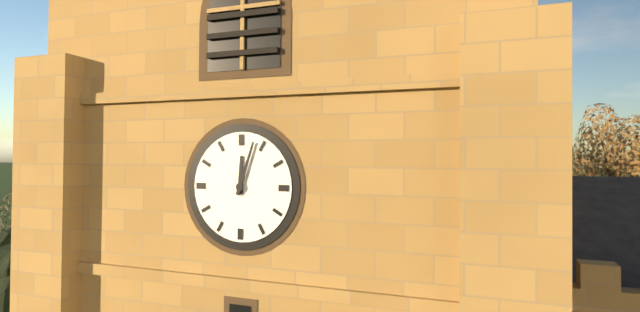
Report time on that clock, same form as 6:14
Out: 12:03
